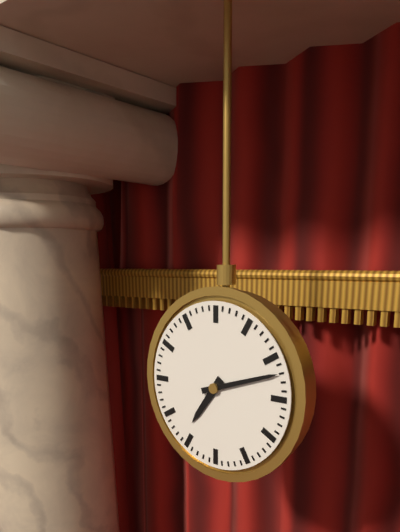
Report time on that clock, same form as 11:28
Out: 7:12
